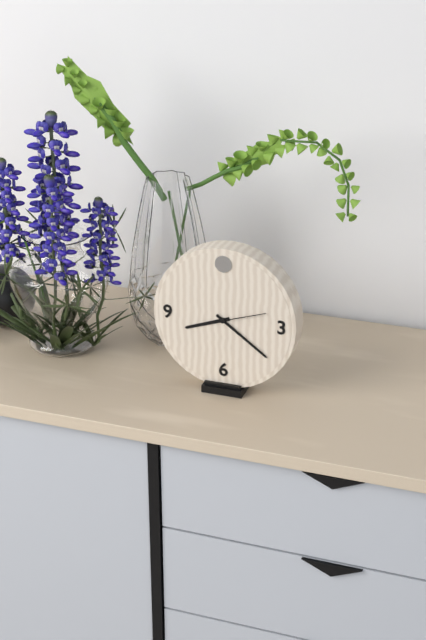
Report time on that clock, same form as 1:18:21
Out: 8:21:12
